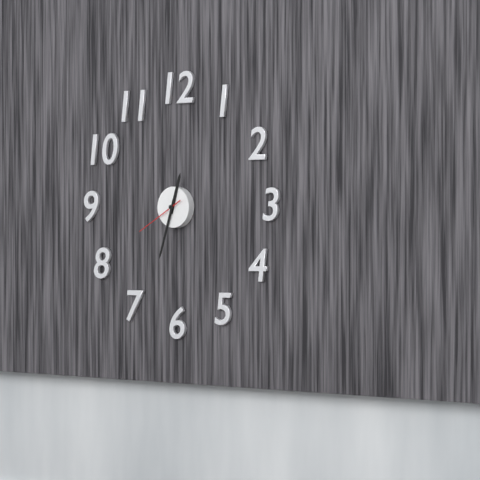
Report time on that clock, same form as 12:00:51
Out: 12:33:40
